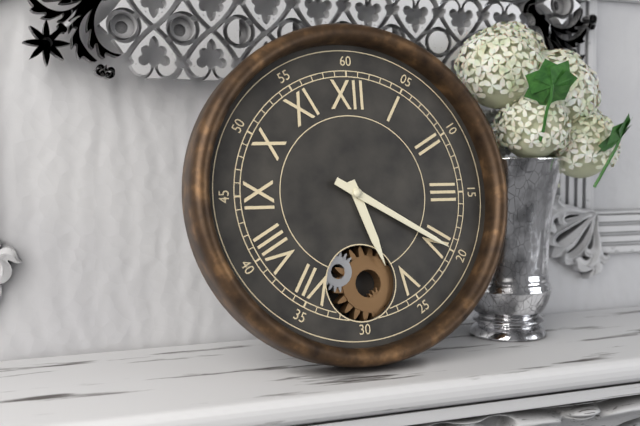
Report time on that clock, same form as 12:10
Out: 5:20
